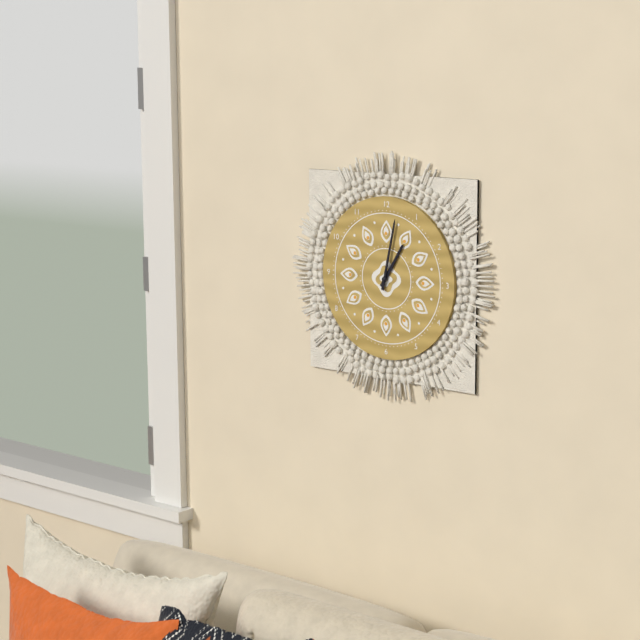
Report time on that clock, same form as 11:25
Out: 1:02
